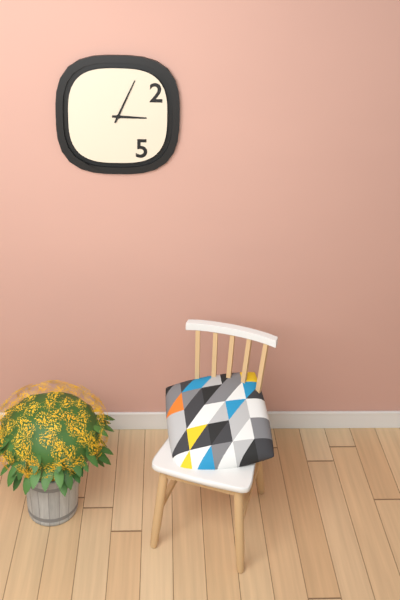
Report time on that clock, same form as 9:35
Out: 3:04
